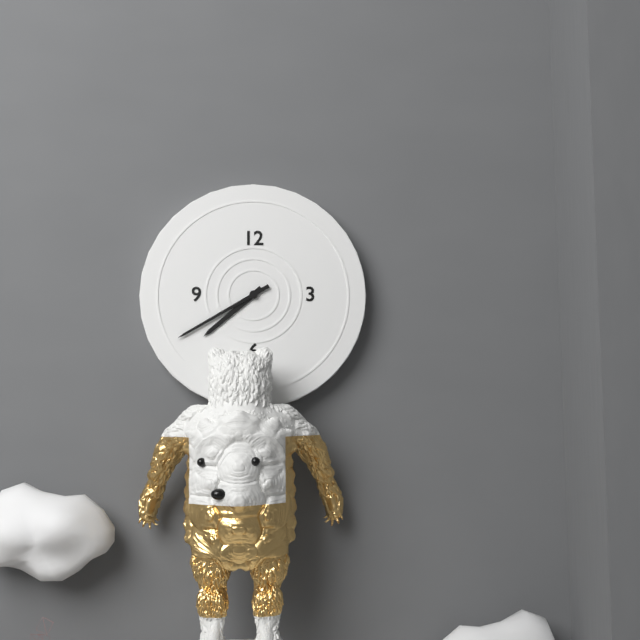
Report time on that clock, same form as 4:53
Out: 7:40
